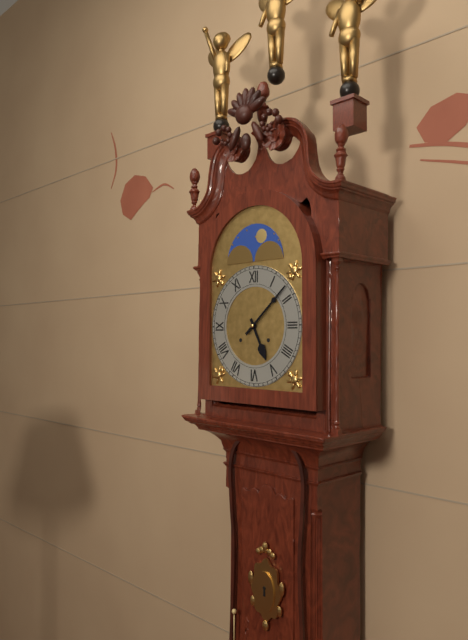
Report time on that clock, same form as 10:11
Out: 5:08
